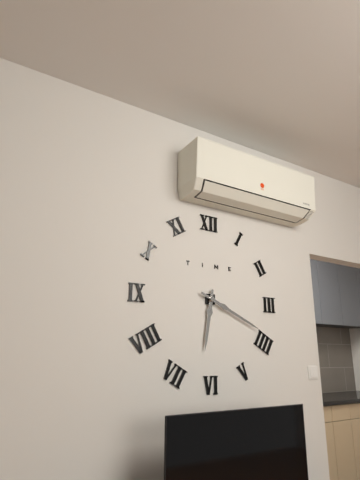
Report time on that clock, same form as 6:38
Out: 6:19
